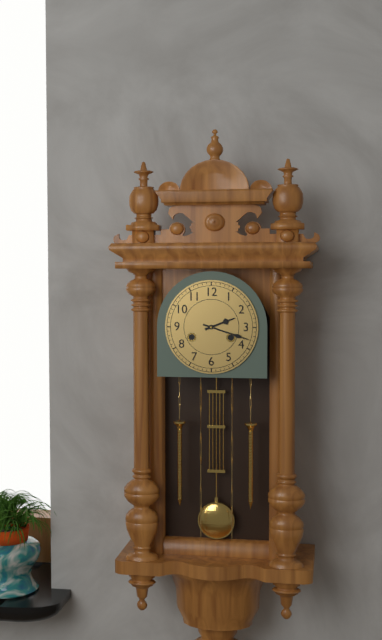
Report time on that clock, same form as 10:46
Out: 2:18
